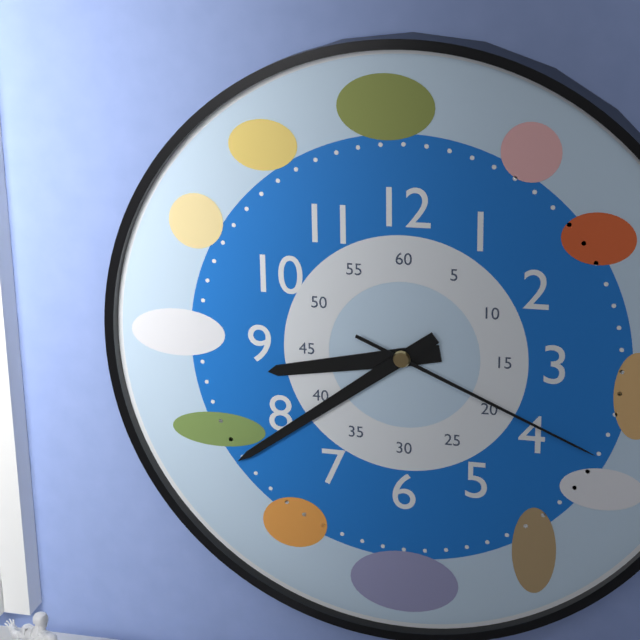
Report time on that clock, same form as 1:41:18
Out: 8:39:19
